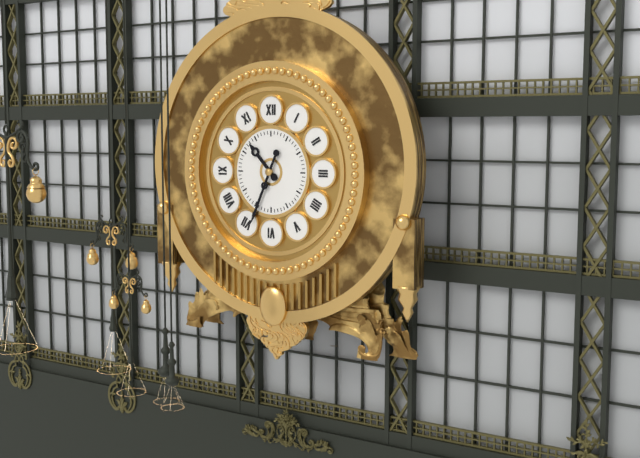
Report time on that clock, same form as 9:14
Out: 10:34
